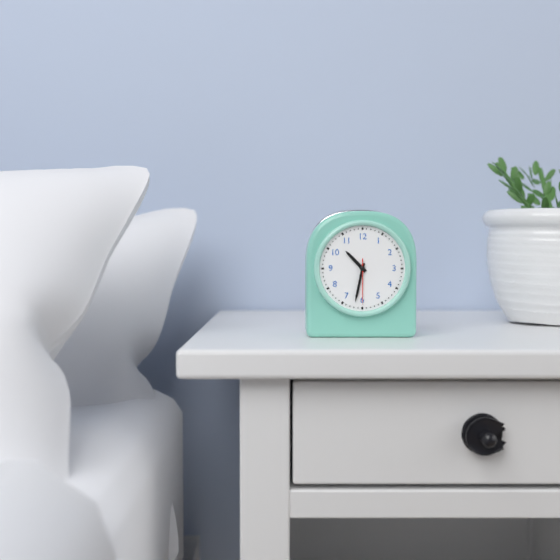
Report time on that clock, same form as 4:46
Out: 10:32
